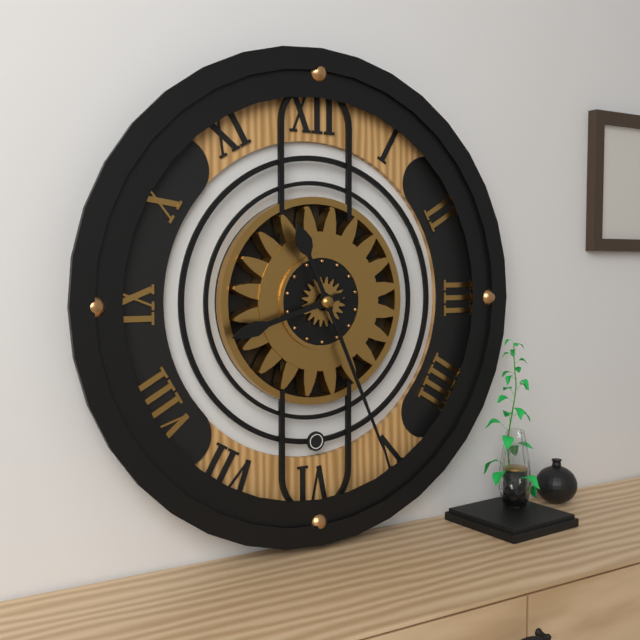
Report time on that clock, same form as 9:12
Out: 8:26
